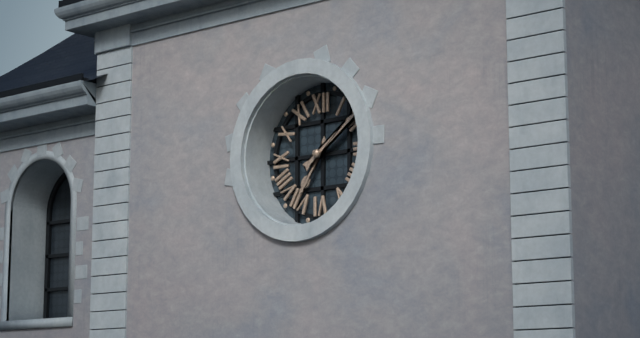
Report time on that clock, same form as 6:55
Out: 7:09
